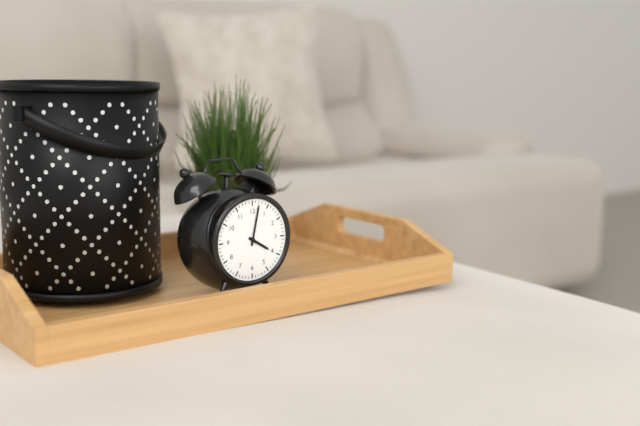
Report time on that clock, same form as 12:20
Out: 4:02
